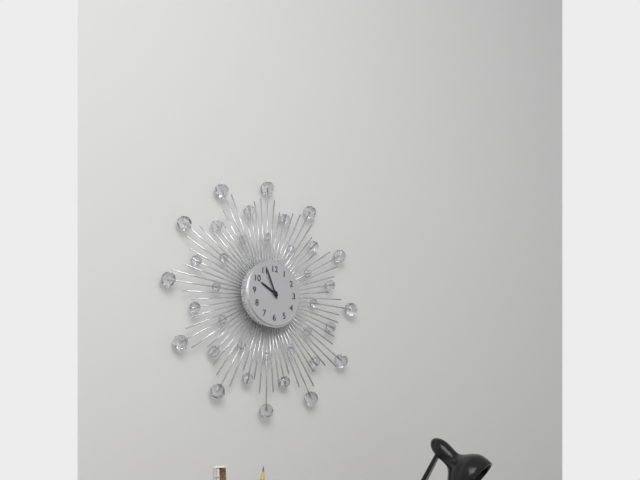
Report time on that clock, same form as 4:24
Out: 9:56
